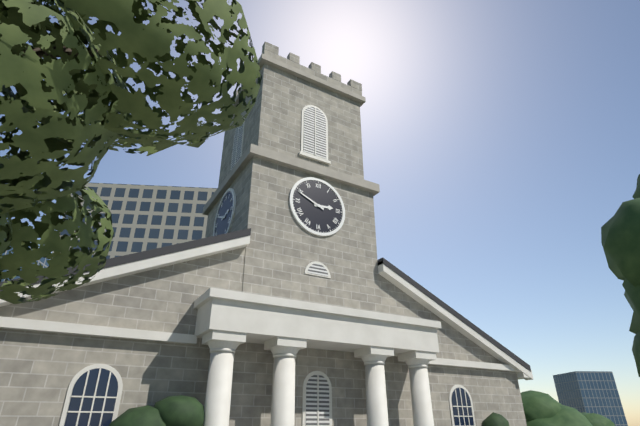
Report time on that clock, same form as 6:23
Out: 2:49
